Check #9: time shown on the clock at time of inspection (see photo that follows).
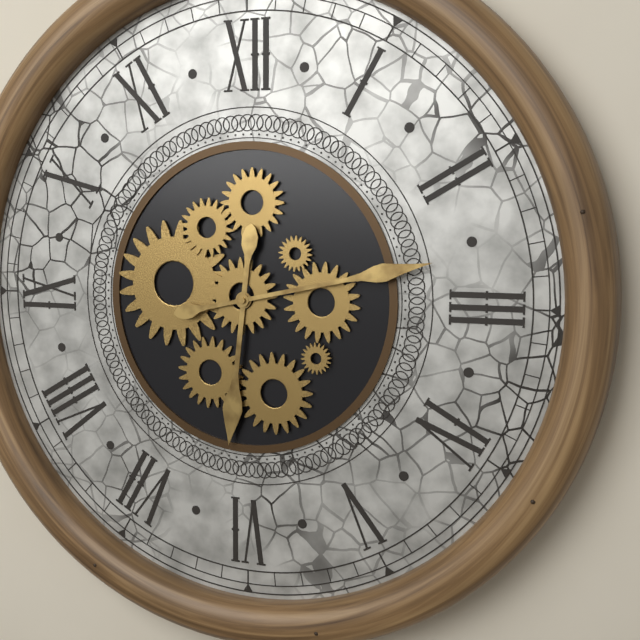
6:13
